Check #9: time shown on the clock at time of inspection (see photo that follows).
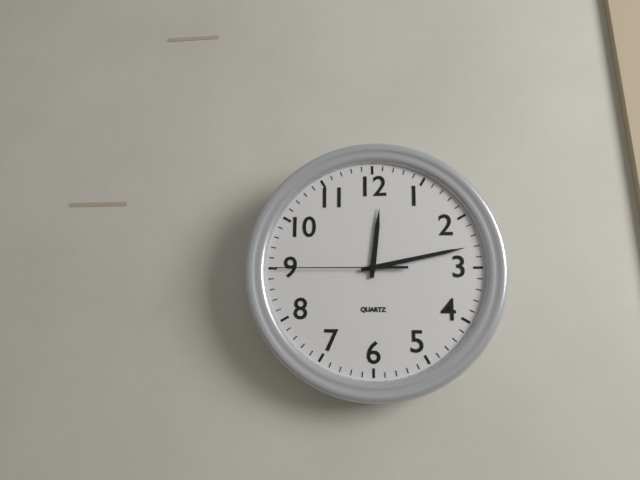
12:13:45
